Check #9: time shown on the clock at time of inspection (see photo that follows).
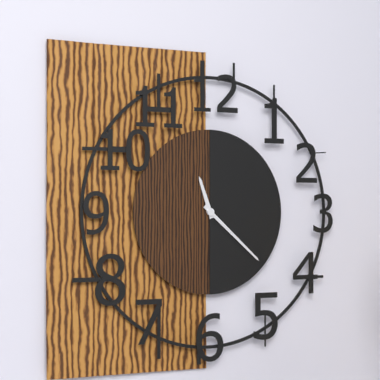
11:22
